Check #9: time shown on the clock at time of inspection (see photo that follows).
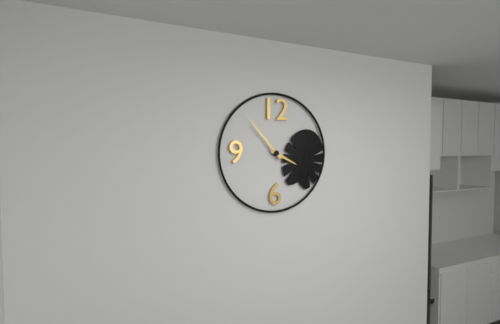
3:53
